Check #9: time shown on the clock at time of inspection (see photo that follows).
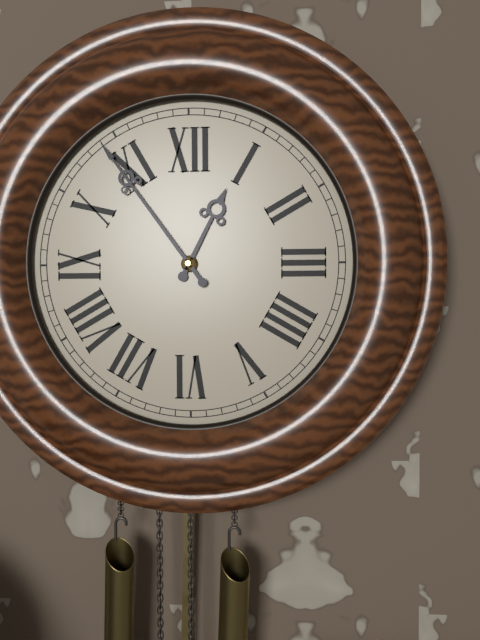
12:54
